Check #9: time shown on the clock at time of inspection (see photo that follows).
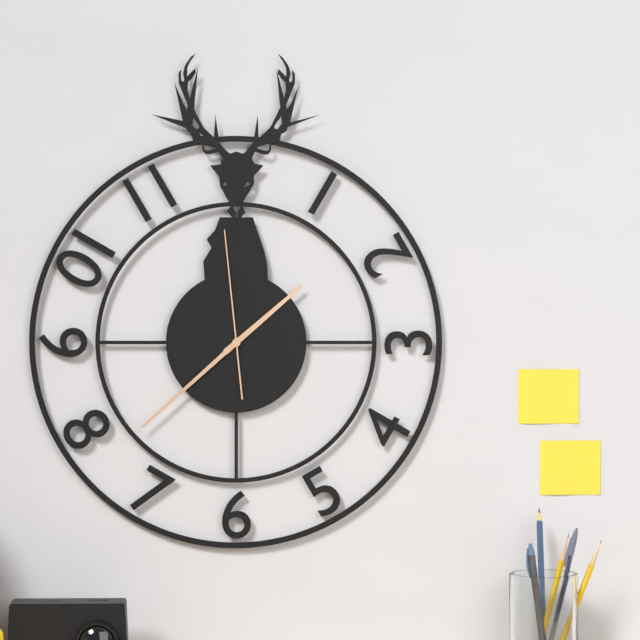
1:38:59
